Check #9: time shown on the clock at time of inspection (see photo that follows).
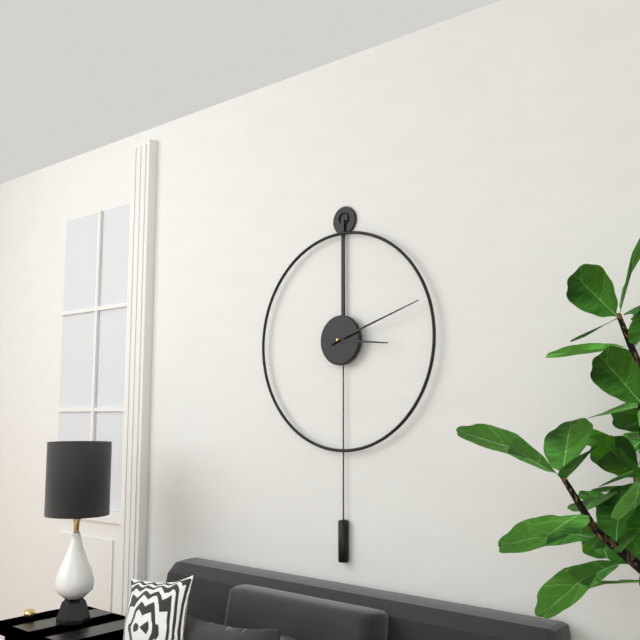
3:12
